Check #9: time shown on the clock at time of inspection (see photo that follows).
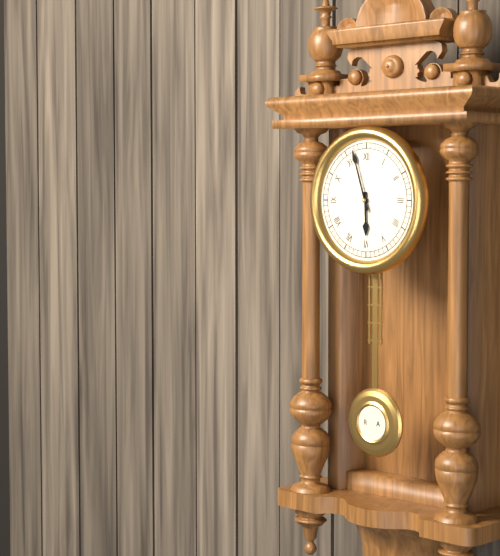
5:57
